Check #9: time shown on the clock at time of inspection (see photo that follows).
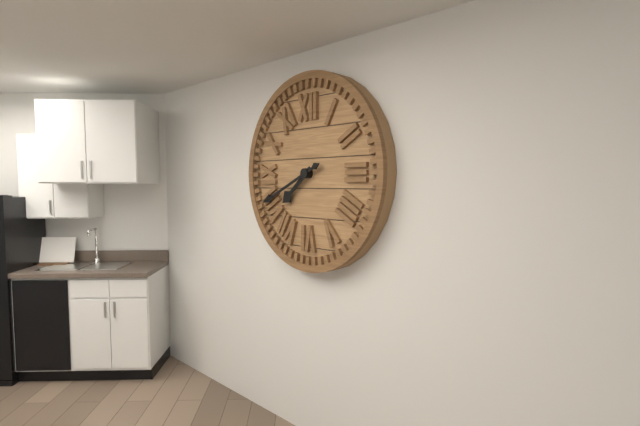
7:41
